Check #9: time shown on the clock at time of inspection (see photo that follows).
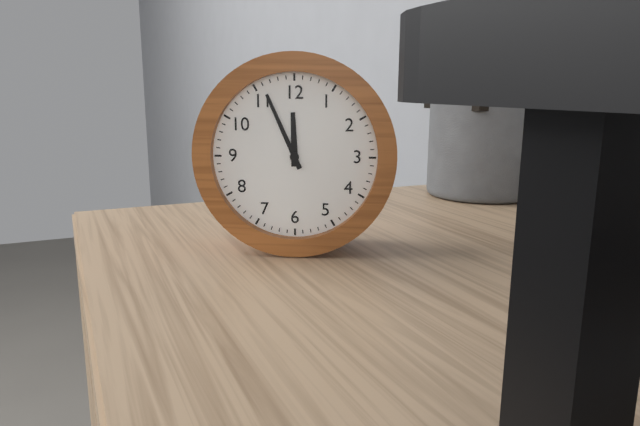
11:56
